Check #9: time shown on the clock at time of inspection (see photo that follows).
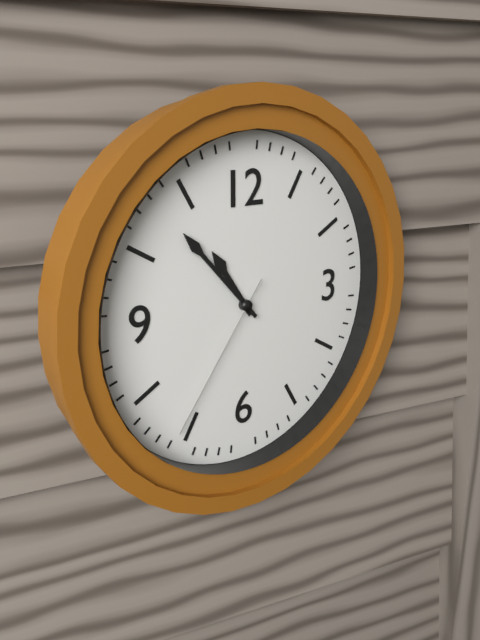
10:53:36
